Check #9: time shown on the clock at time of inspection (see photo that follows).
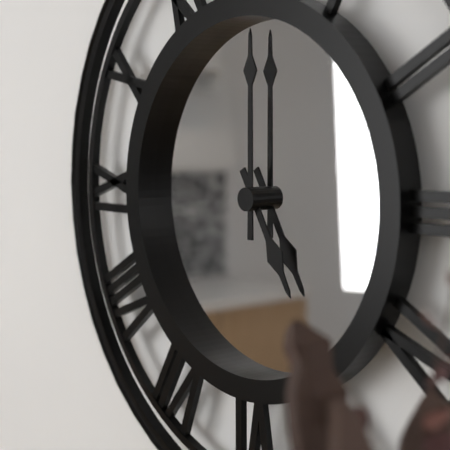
5:00
